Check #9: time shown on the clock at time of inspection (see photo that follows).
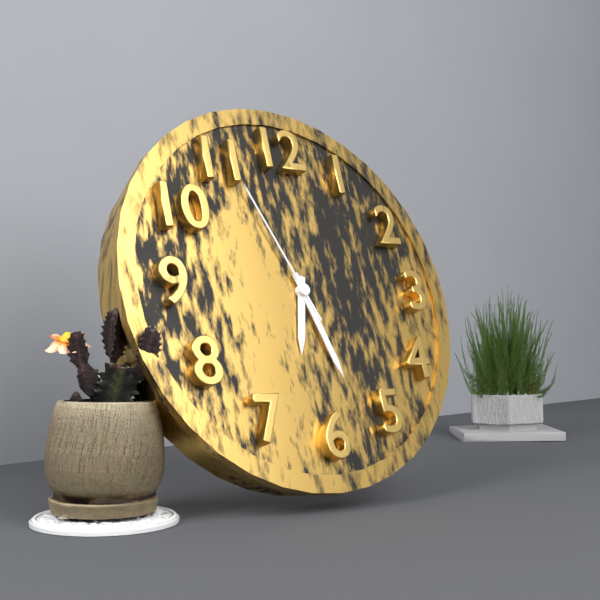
6:27:56
